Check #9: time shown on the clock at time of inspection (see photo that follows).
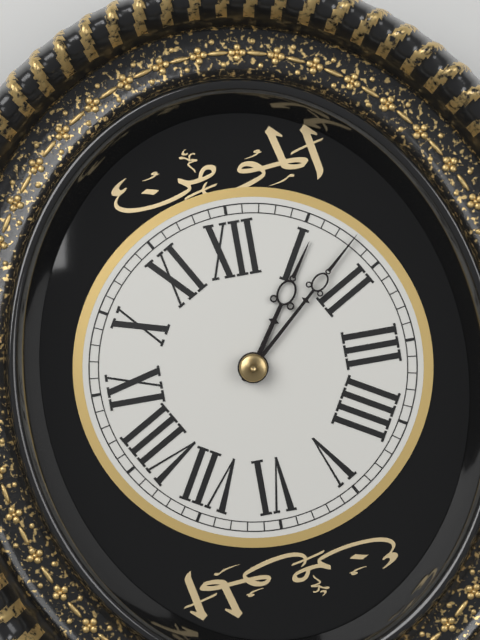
1:08
